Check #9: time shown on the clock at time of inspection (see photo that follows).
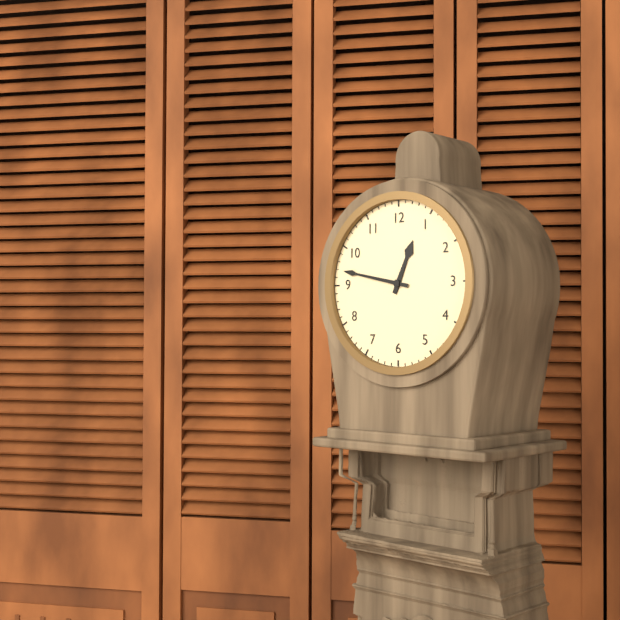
12:47
